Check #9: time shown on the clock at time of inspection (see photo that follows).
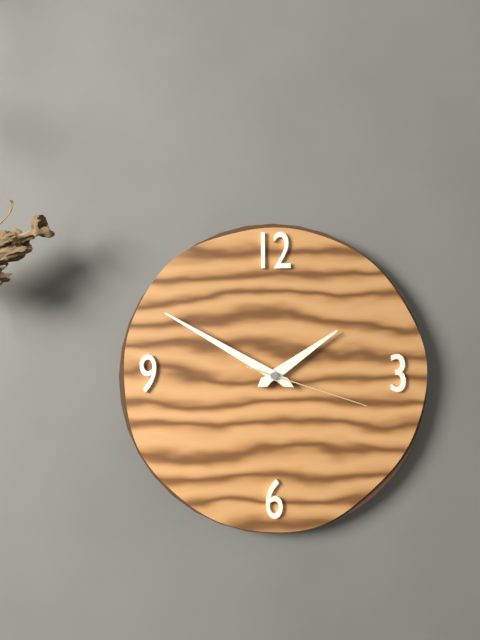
1:50:18
